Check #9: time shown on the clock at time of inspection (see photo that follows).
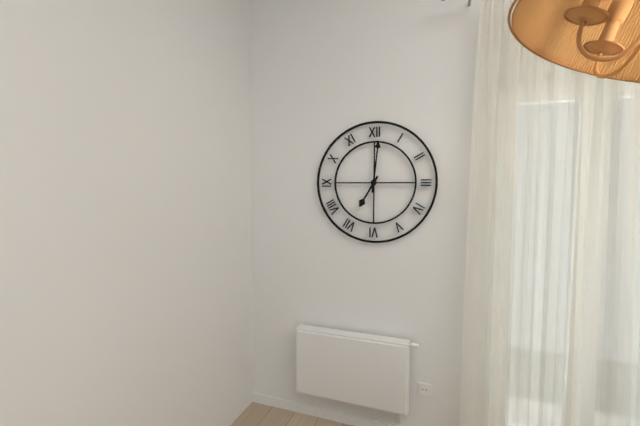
7:01
